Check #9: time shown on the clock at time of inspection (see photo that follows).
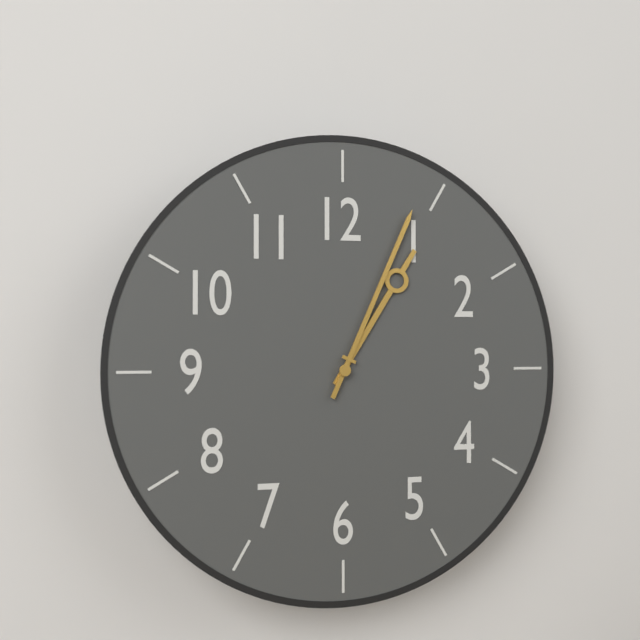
1:04
